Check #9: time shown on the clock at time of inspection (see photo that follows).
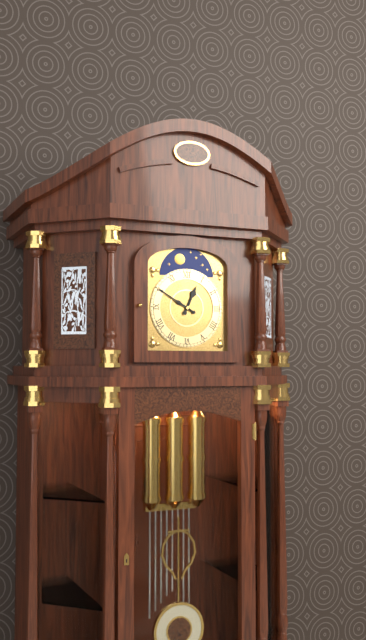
12:50
